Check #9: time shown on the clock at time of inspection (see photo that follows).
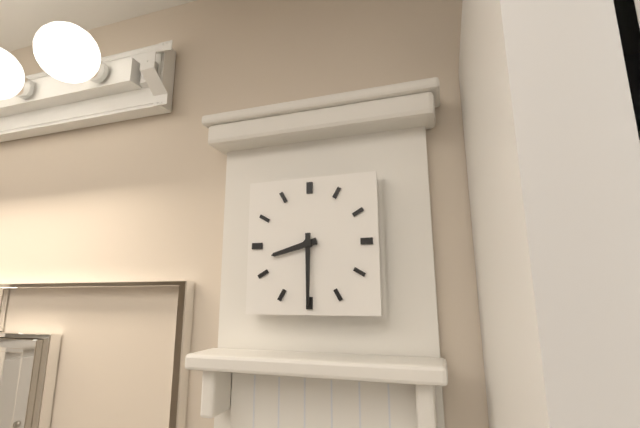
8:30
